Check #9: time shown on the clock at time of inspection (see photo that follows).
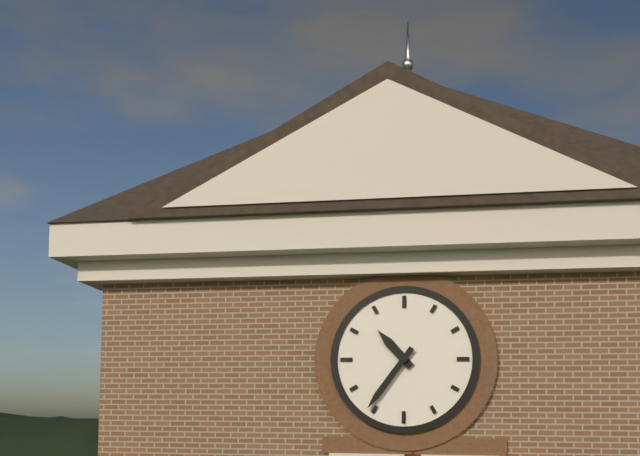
10:36
